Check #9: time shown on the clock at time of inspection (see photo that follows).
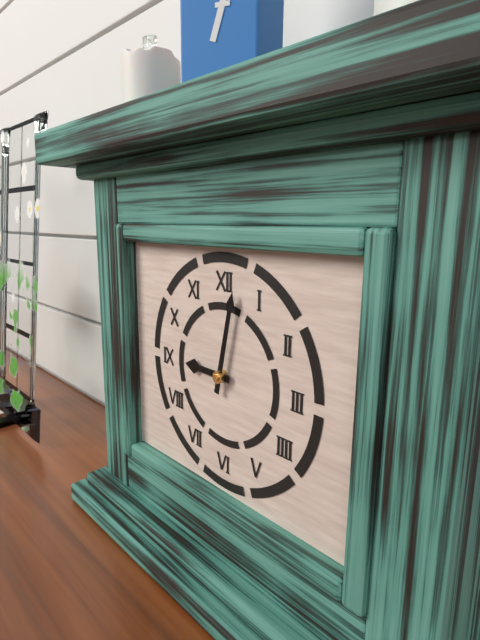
9:02
